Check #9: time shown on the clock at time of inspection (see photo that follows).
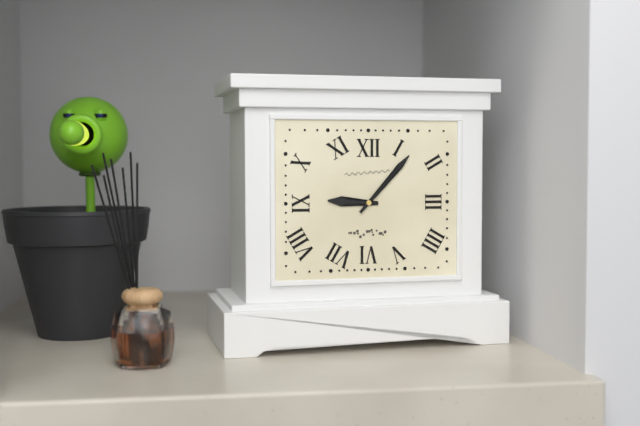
9:07
